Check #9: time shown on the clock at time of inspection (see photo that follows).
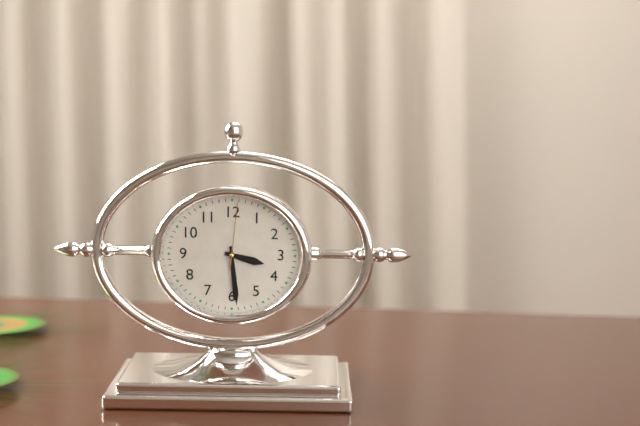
3:29:01
